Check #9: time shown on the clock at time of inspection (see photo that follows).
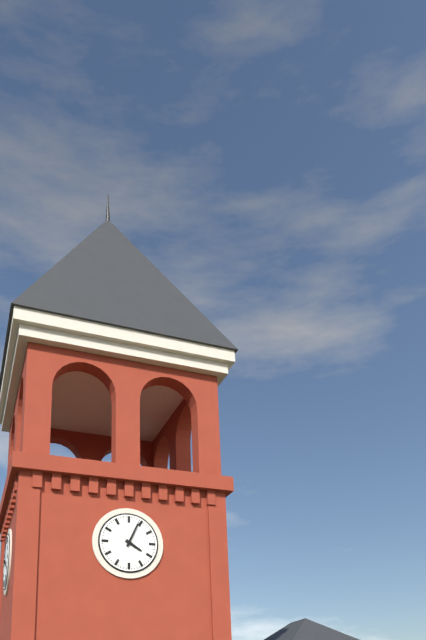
4:04
